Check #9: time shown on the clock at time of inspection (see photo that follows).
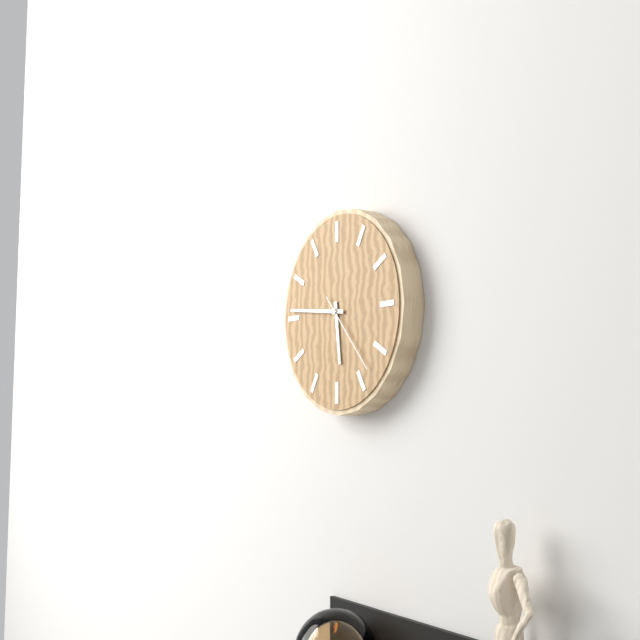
5:46:23
